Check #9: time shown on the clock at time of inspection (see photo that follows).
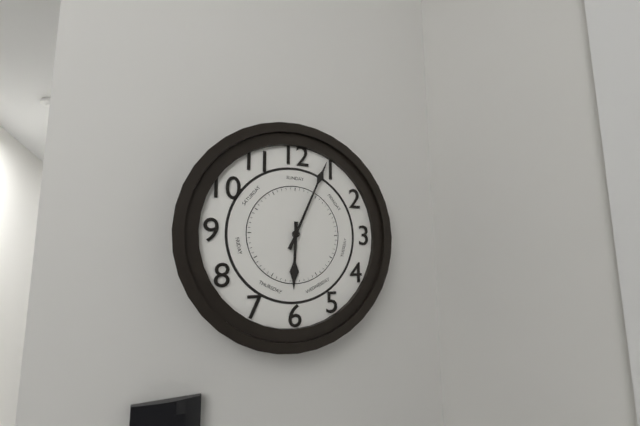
6:04
